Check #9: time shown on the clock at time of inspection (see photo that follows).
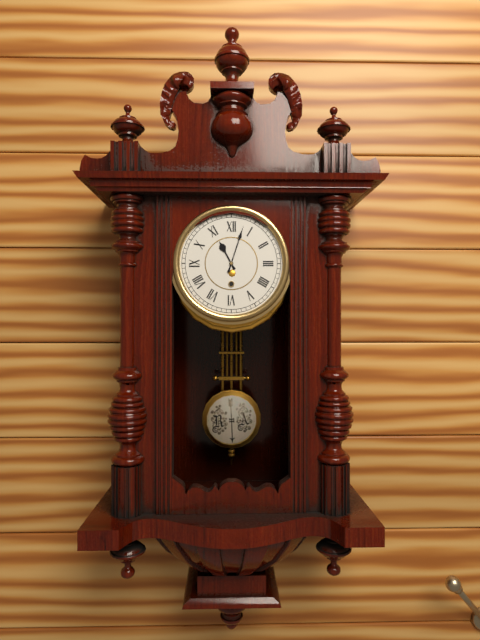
11:03
